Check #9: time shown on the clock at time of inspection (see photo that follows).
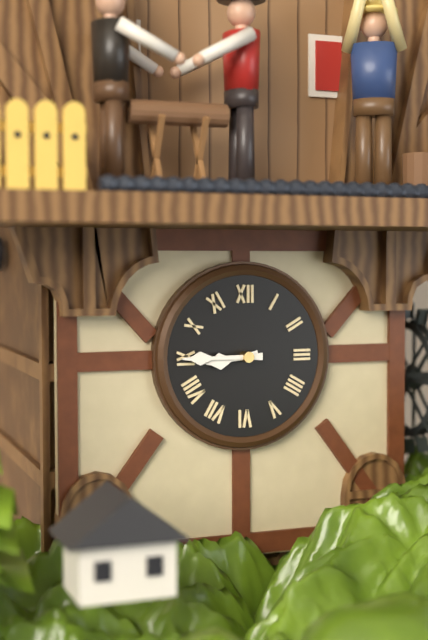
8:45
